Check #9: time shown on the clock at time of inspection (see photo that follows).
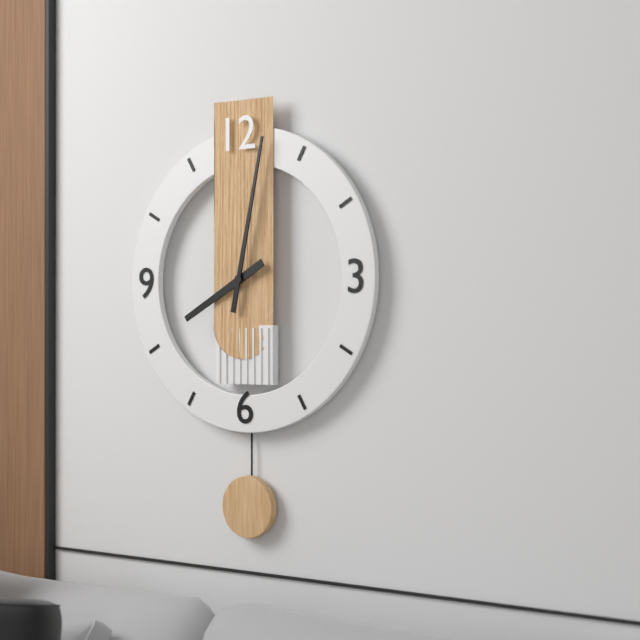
8:02
